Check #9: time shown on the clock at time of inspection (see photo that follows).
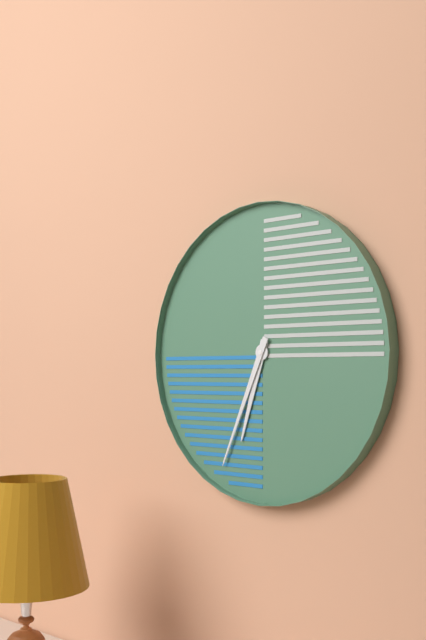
6:34
